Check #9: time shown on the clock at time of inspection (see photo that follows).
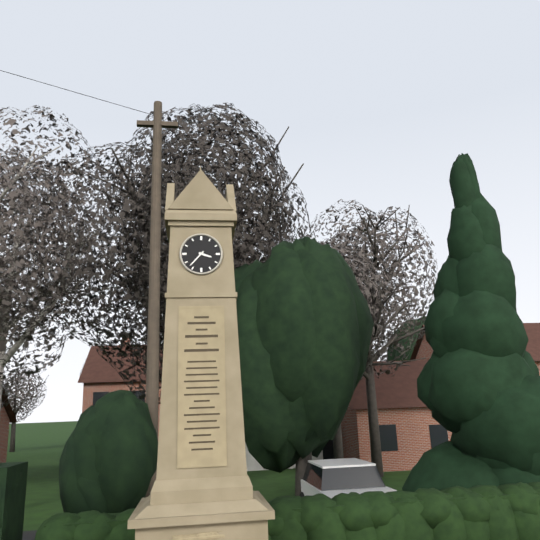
3:37
